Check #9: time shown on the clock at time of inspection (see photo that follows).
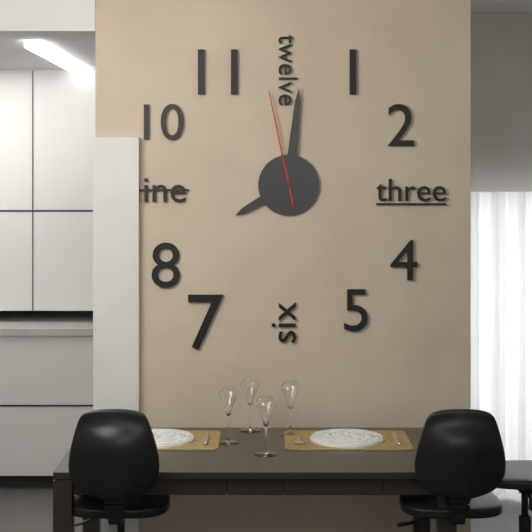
8:01:58
